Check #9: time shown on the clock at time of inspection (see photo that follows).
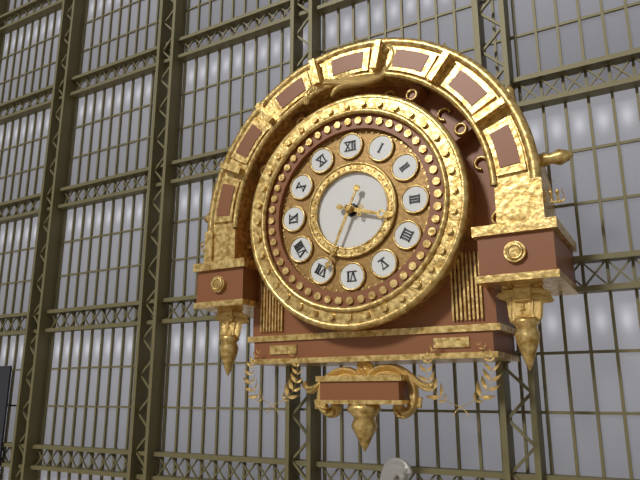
3:34
